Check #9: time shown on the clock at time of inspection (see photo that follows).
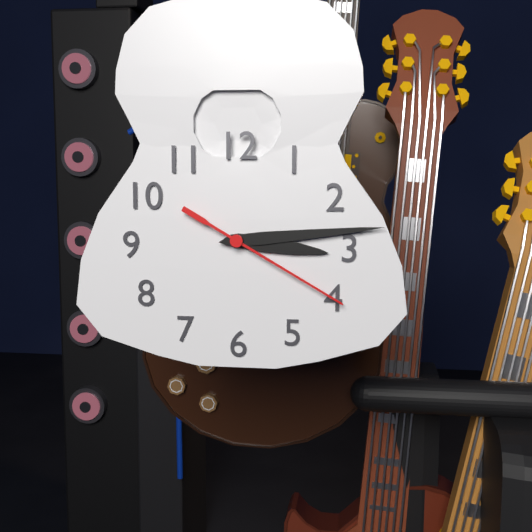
3:14:20
